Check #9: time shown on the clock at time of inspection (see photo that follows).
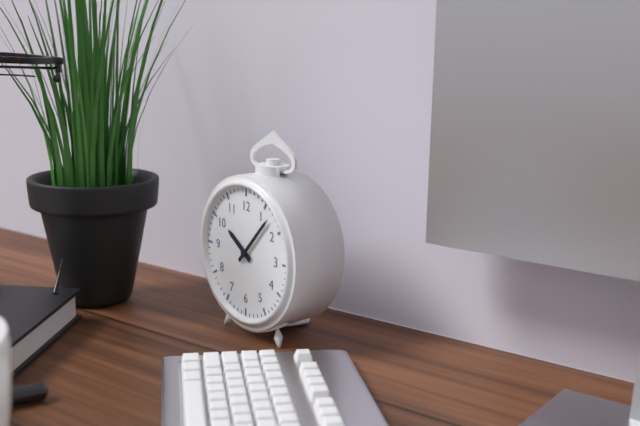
10:07
